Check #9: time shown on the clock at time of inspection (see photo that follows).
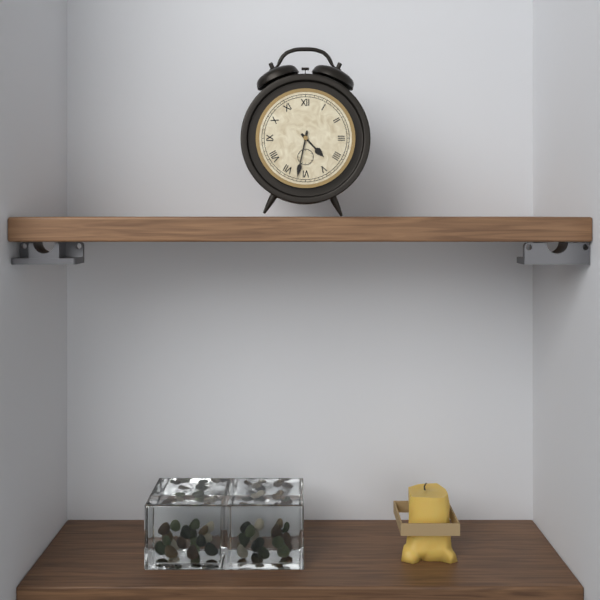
4:32
